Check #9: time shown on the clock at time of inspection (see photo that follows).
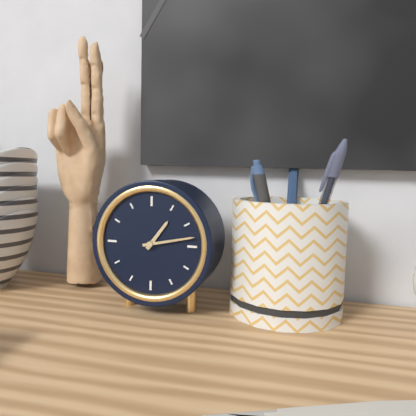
1:13
